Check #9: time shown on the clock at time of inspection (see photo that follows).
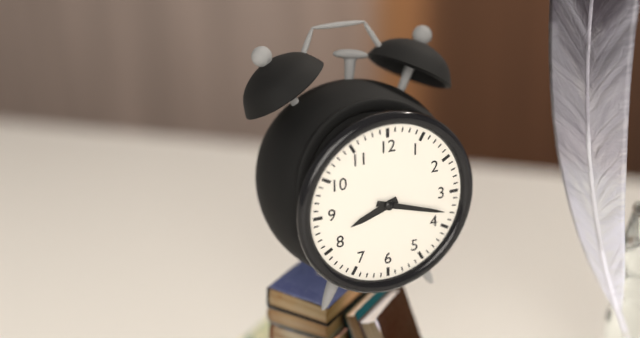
8:18
